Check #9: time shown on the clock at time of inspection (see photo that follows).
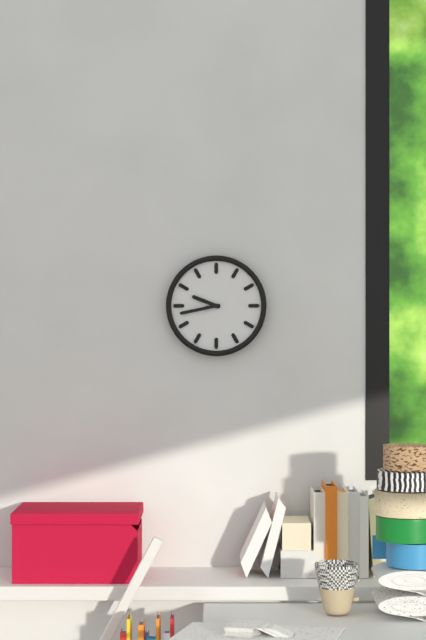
9:43
